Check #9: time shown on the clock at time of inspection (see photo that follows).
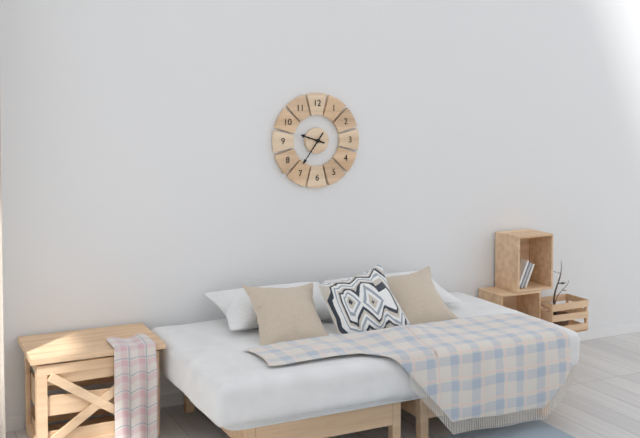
9:36
